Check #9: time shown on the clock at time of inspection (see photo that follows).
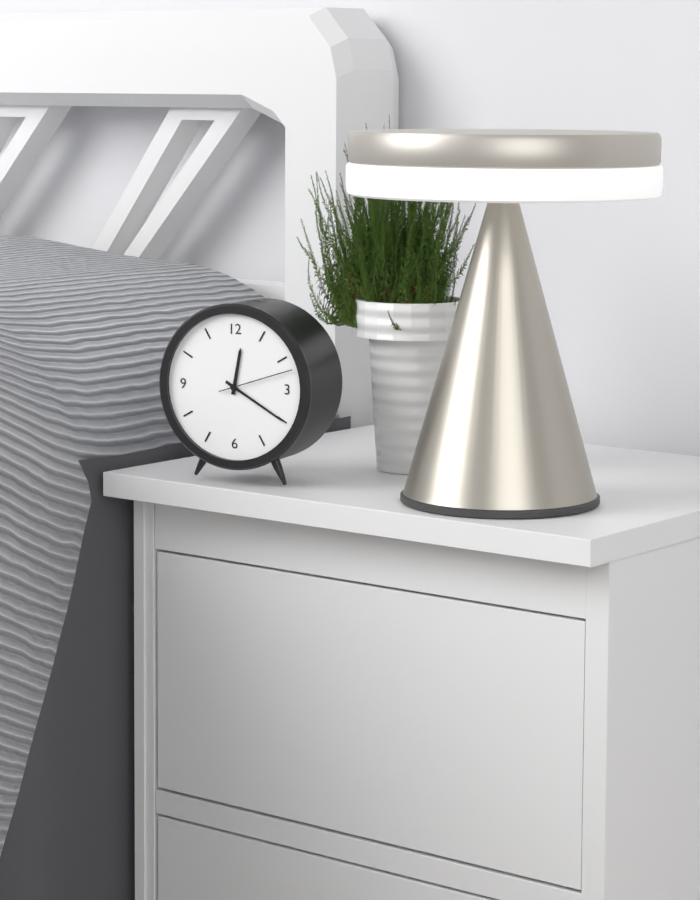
12:20:12
